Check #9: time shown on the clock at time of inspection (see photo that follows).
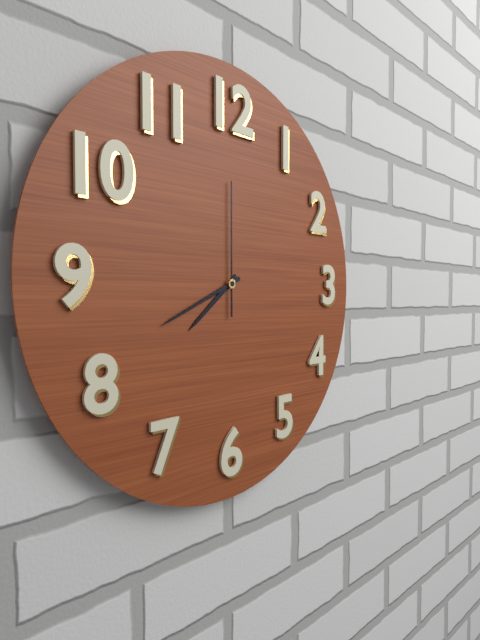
7:41:00
